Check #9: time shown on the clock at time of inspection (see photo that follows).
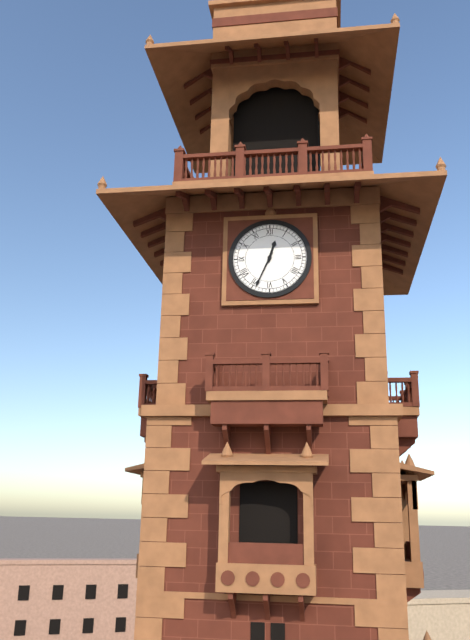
12:34
